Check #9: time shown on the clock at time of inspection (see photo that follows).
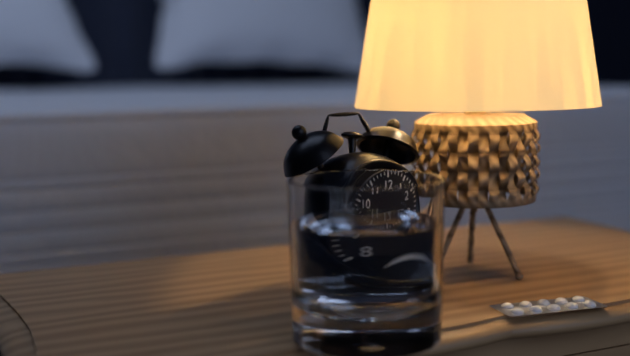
2:36
